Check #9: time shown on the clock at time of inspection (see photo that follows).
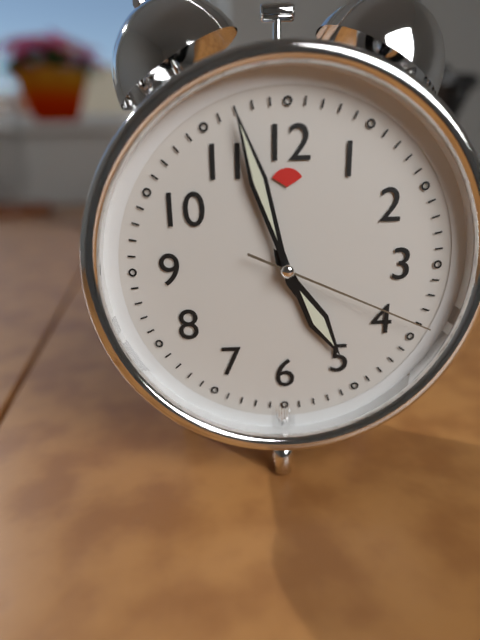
4:57:19
